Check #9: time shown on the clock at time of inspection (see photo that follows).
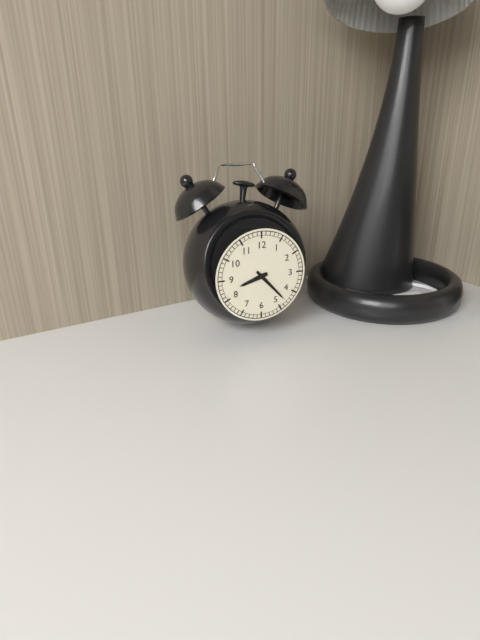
8:23
